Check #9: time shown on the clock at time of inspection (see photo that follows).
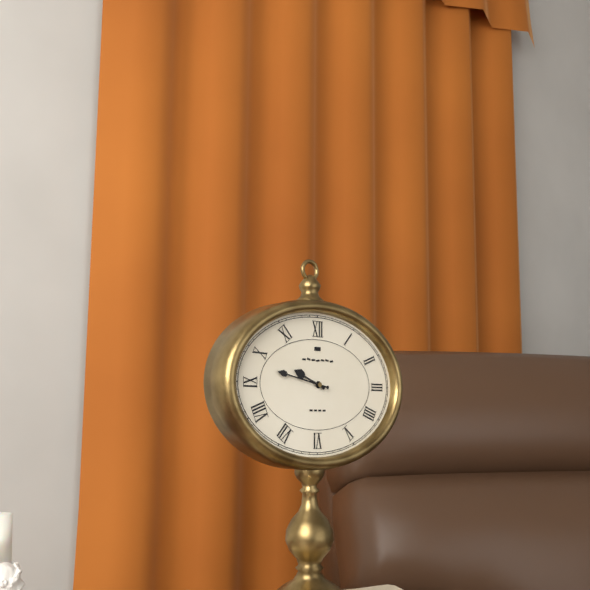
9:47
